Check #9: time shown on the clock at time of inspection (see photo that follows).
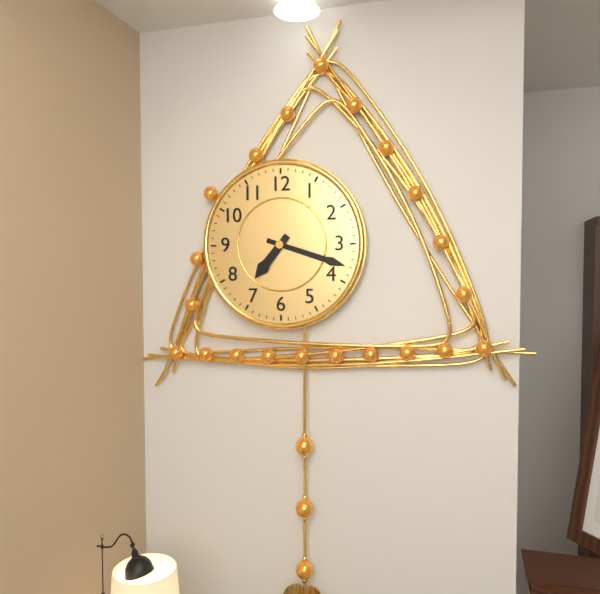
7:18
